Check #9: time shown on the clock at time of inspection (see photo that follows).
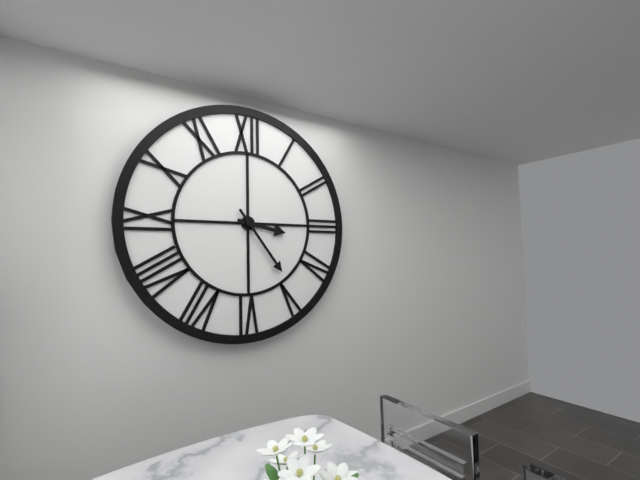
3:24
